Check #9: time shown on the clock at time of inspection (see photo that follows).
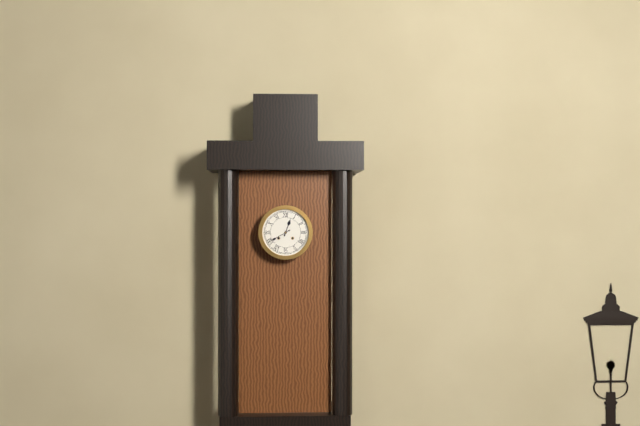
12:40
